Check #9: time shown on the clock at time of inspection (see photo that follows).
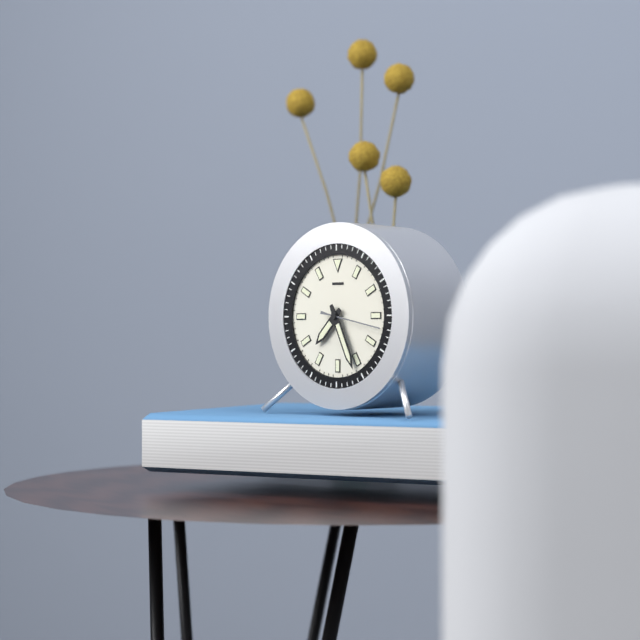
7:26:17
